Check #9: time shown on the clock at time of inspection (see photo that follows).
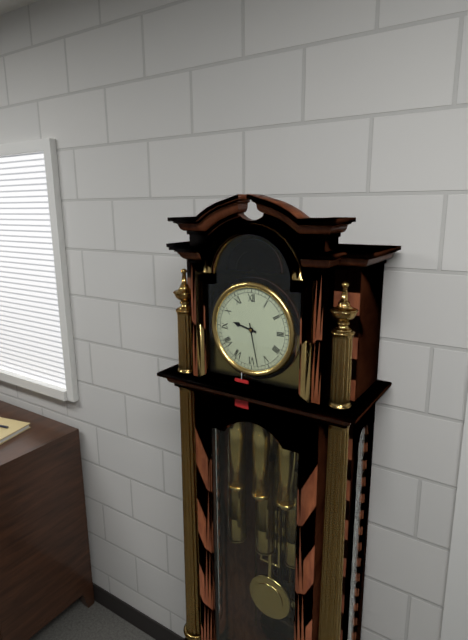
9:28
